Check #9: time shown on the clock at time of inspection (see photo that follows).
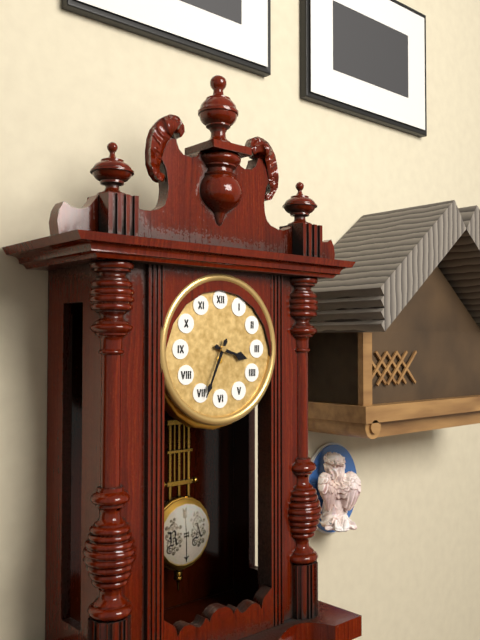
3:34
